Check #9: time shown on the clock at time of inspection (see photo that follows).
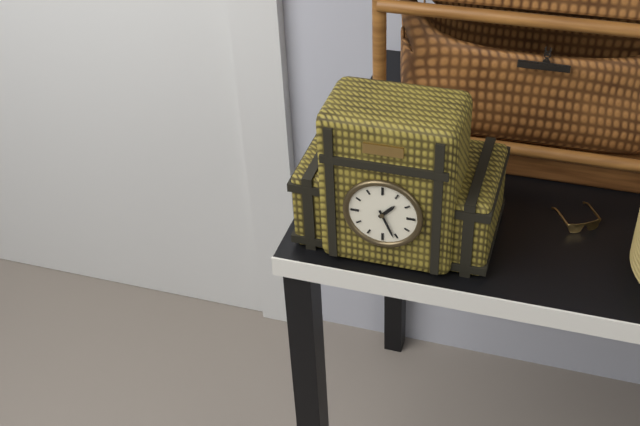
1:26
